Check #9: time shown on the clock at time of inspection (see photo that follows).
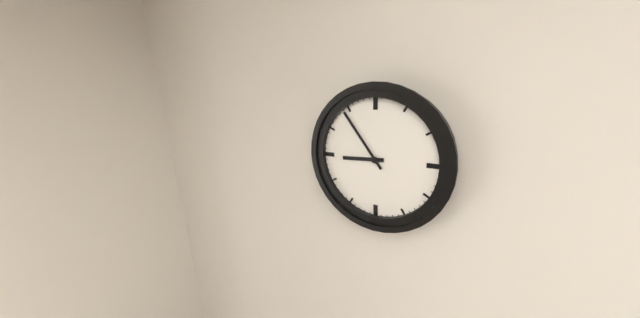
8:54
